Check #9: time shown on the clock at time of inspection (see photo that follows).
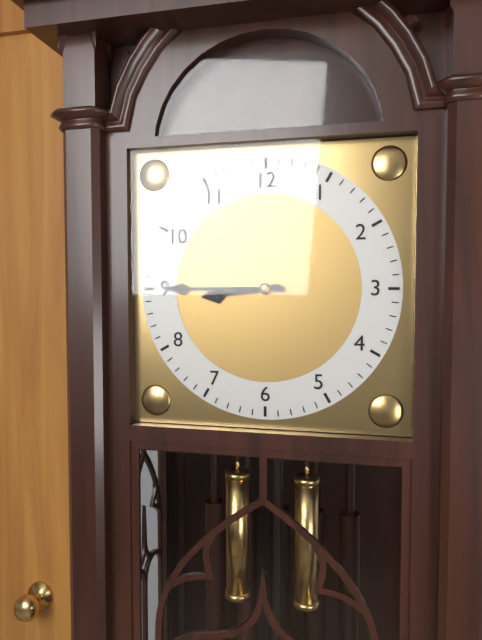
8:45
